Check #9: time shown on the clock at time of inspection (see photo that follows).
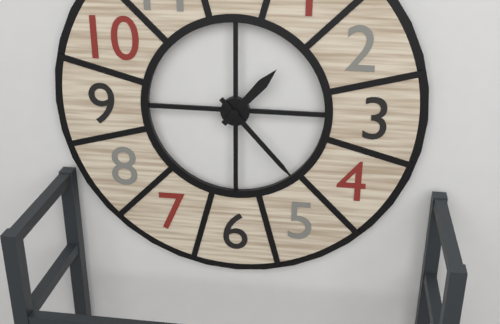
1:23
